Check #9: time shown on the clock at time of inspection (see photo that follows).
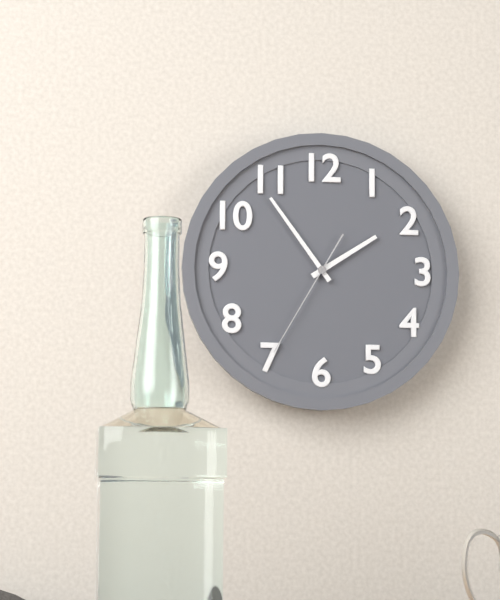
1:54:35
